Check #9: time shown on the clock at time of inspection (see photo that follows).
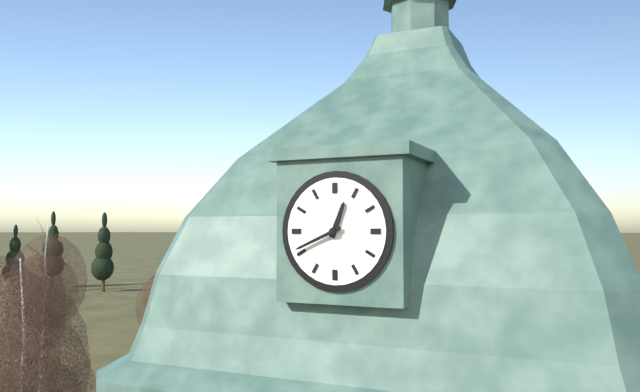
12:41
